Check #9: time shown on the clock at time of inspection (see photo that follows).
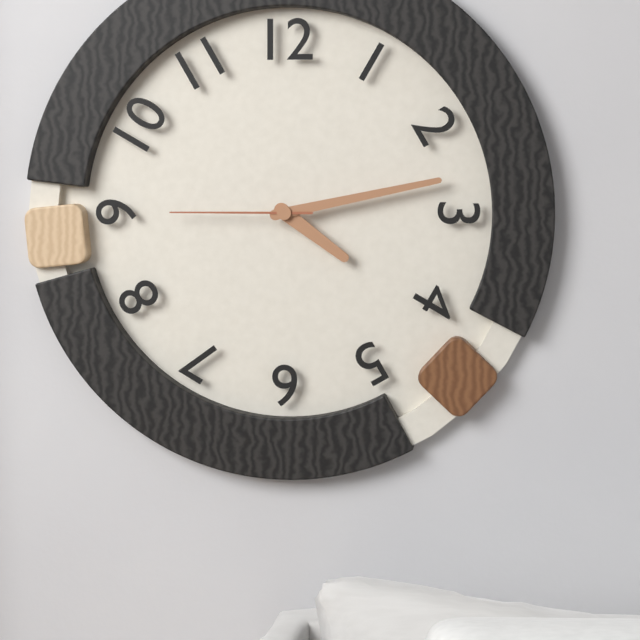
4:13:45
